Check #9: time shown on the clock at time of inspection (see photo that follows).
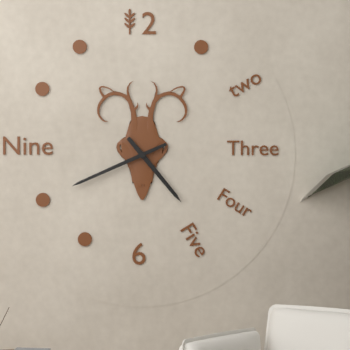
4:41
